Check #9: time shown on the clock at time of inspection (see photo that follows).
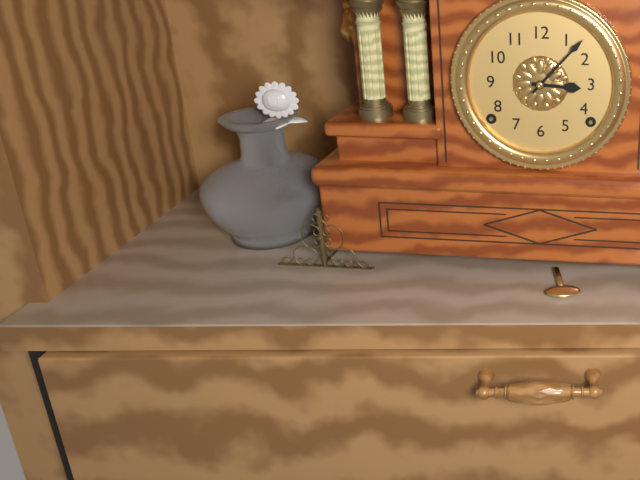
3:07
